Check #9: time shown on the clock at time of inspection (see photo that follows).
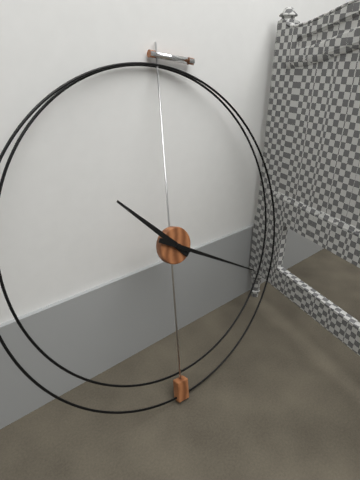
10:19
